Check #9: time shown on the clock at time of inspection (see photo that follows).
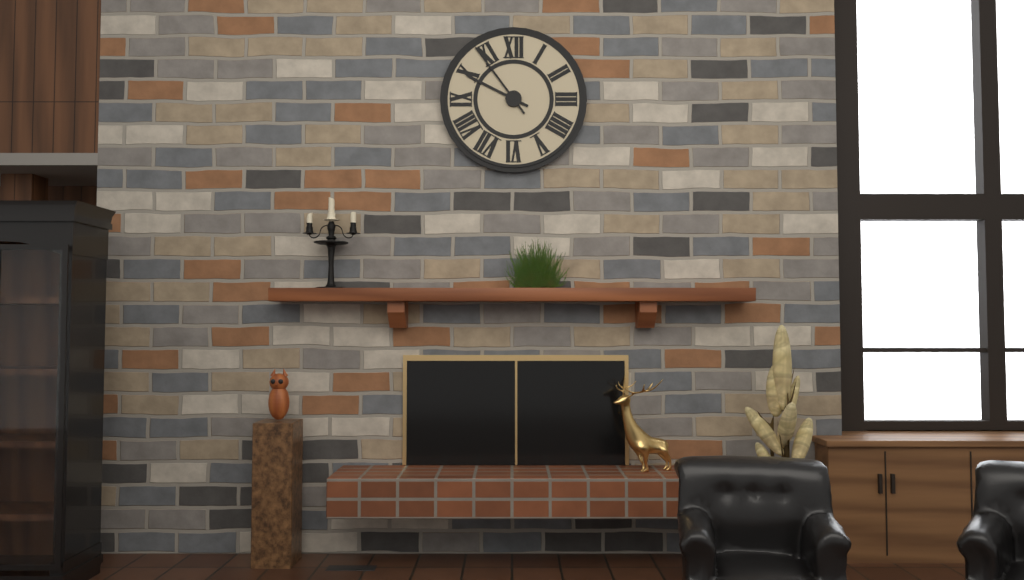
9:54
